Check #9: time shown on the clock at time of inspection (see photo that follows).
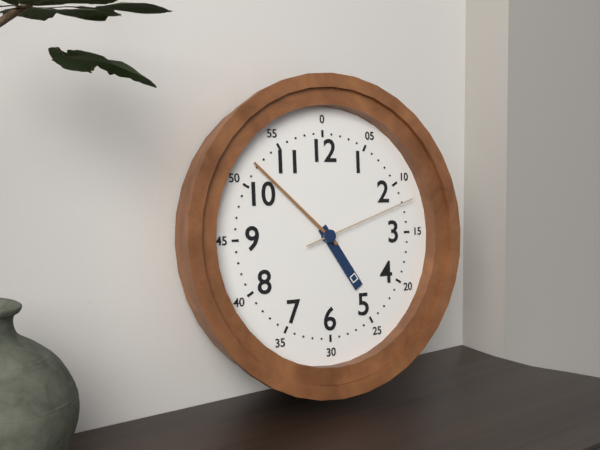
4:52:12
